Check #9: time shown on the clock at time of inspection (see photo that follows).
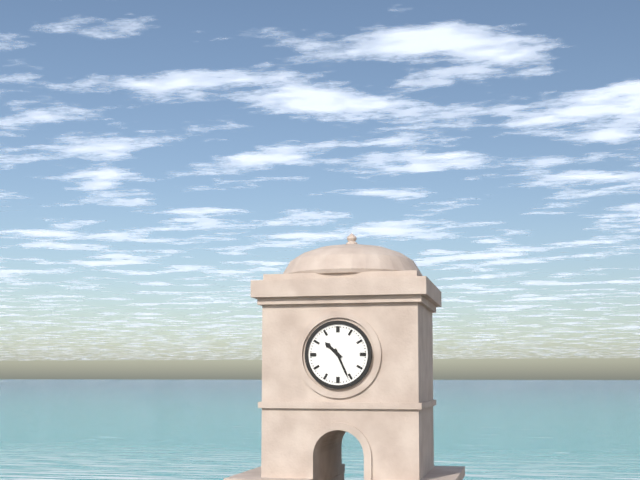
10:26
